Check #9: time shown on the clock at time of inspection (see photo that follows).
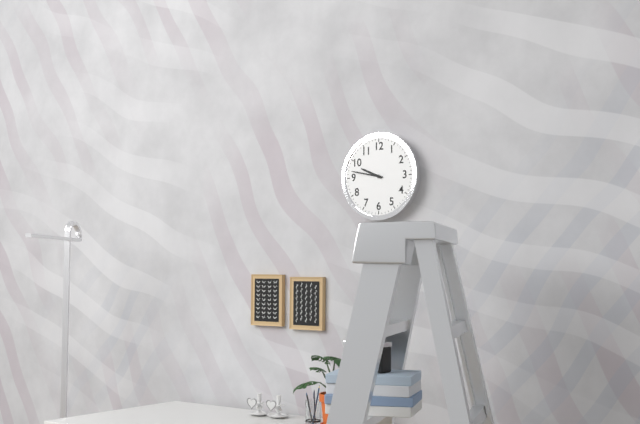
9:47
